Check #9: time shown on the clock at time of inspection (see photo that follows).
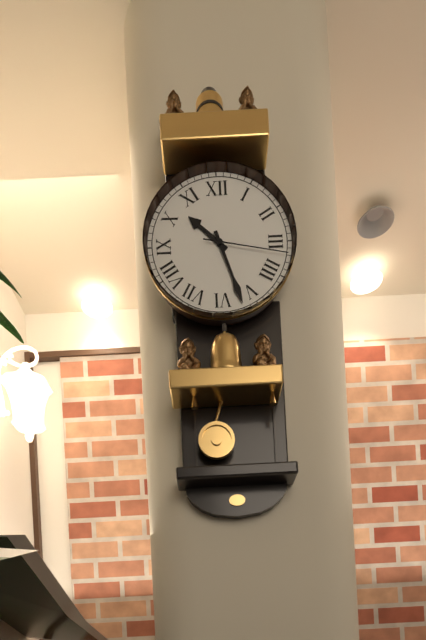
10:27:17
